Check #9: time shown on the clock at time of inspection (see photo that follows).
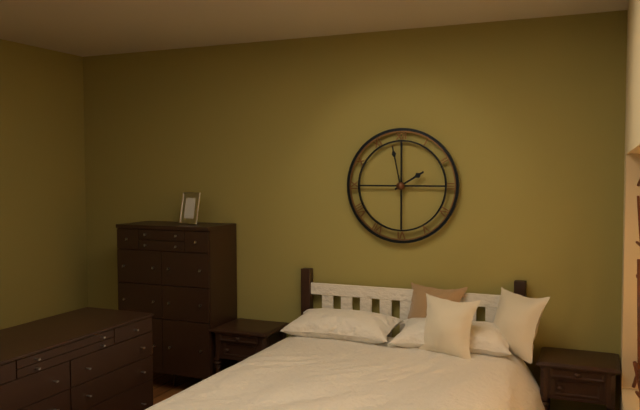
1:58
